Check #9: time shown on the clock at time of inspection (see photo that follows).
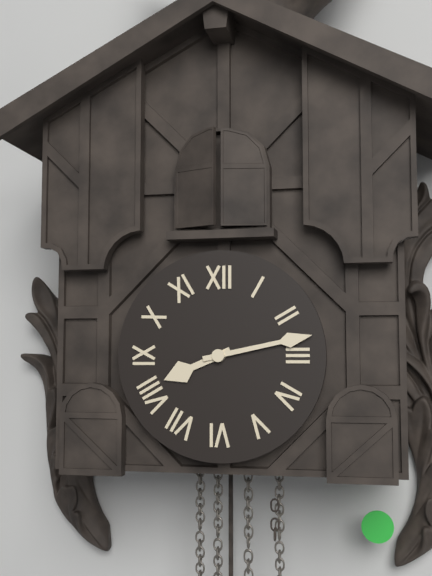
8:13
